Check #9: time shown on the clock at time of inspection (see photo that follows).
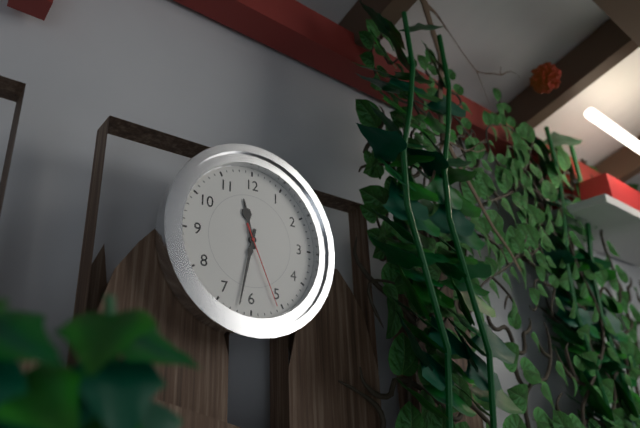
11:32:26
